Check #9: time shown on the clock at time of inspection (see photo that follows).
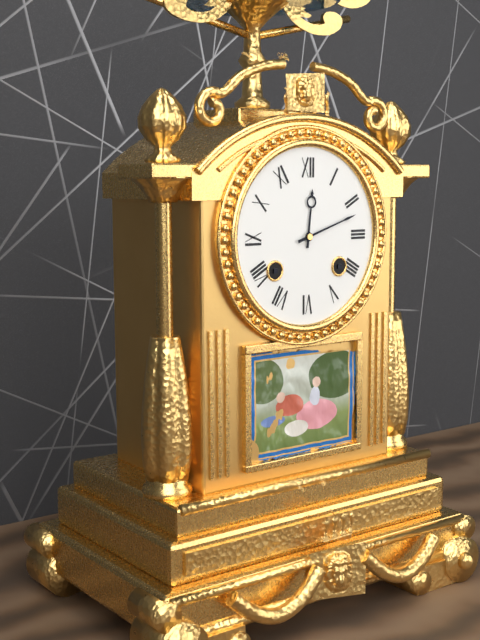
12:12
